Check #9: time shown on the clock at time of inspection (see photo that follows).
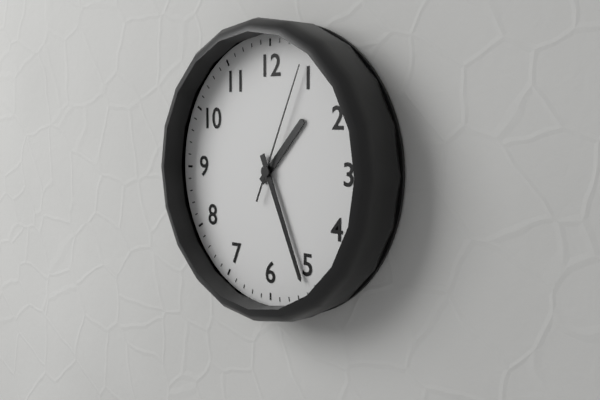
1:26:04
